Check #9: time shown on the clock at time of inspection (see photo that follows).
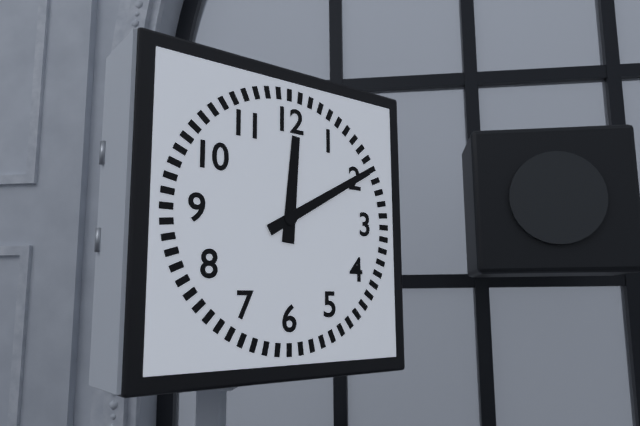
12:10
